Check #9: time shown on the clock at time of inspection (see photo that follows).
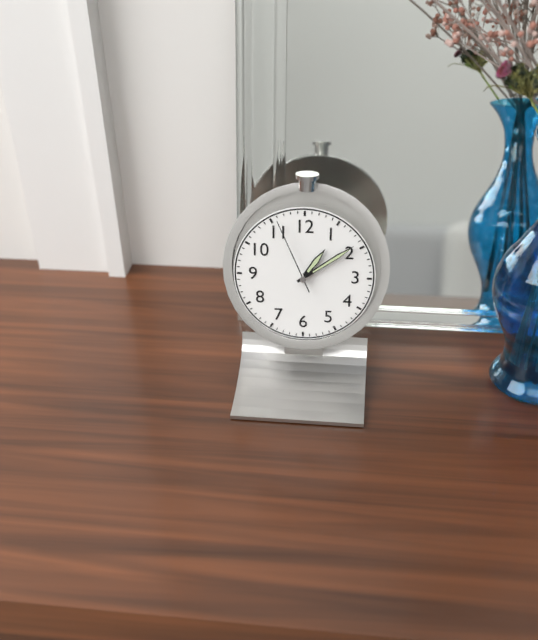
1:09:56
